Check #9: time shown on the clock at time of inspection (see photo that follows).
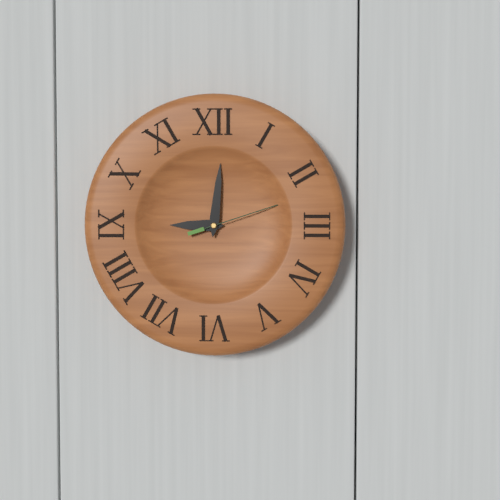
9:01:12
